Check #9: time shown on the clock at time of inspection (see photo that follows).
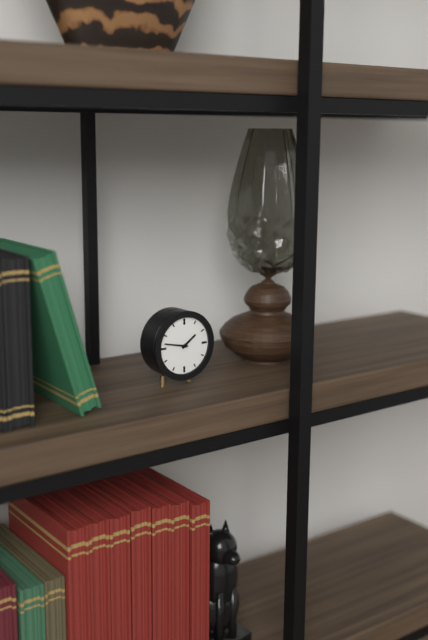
1:47
